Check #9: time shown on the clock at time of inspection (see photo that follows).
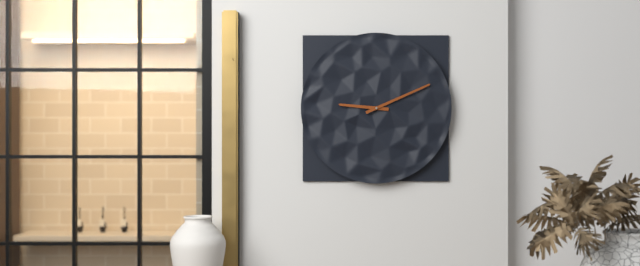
9:11
